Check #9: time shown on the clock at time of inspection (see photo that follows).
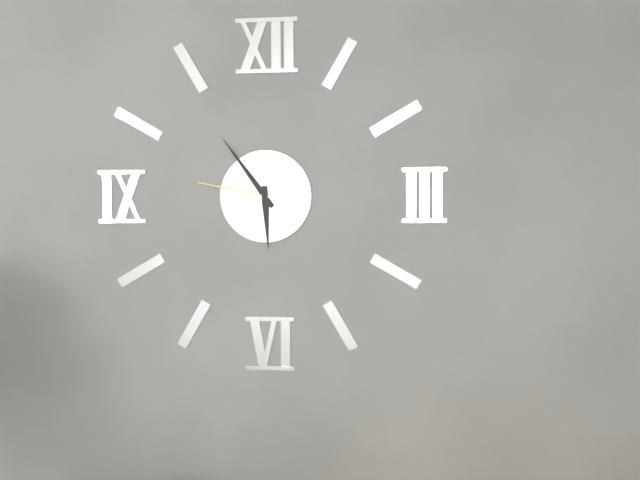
5:54:47
